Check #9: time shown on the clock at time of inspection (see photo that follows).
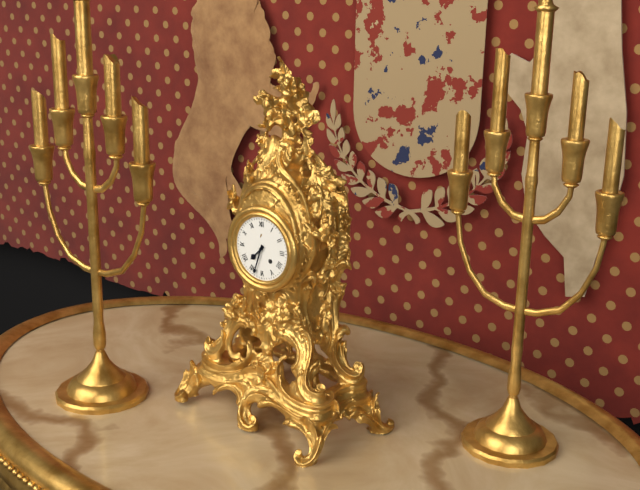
7:33
